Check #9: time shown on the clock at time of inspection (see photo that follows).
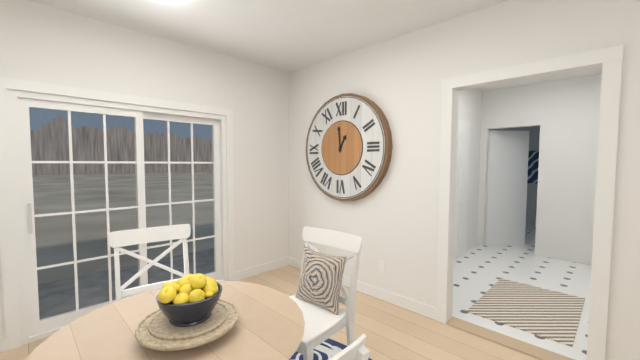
12:59
